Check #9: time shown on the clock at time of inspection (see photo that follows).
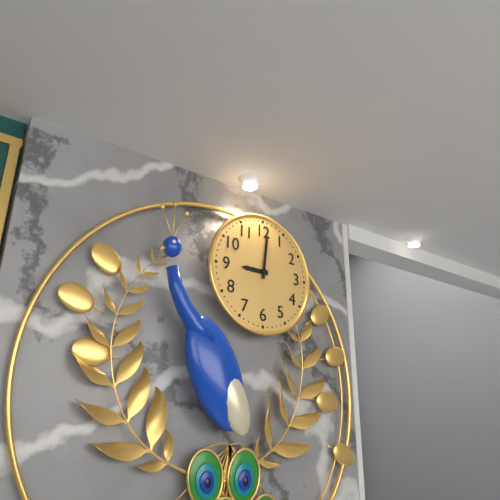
9:01
